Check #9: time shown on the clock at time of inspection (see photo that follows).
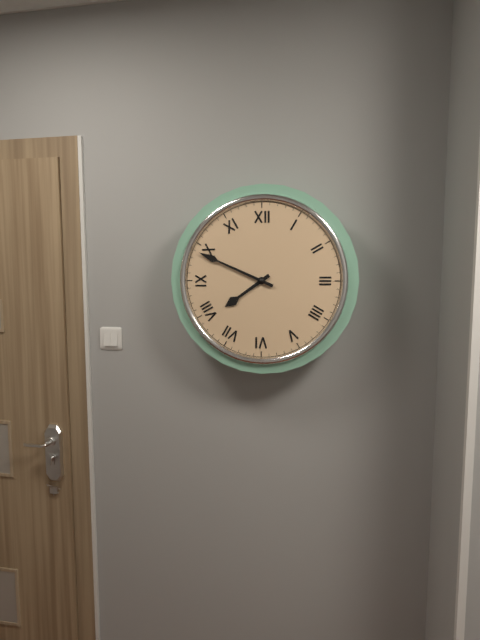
7:49
